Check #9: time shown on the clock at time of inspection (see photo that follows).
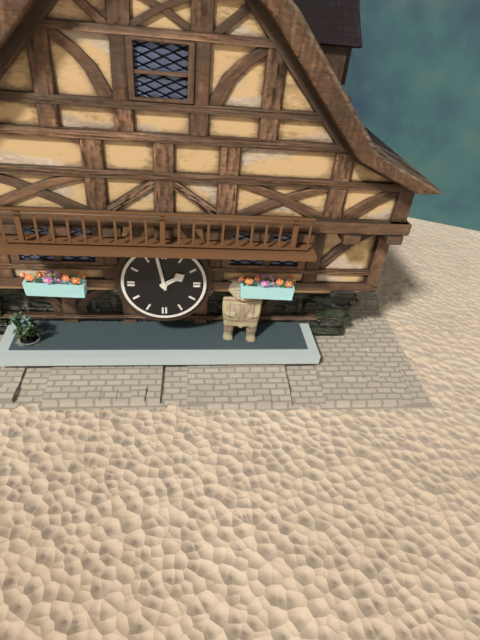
1:58
